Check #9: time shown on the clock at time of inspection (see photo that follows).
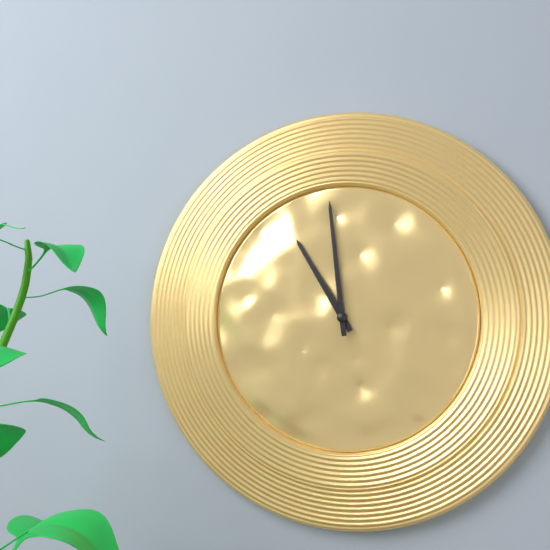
10:59
